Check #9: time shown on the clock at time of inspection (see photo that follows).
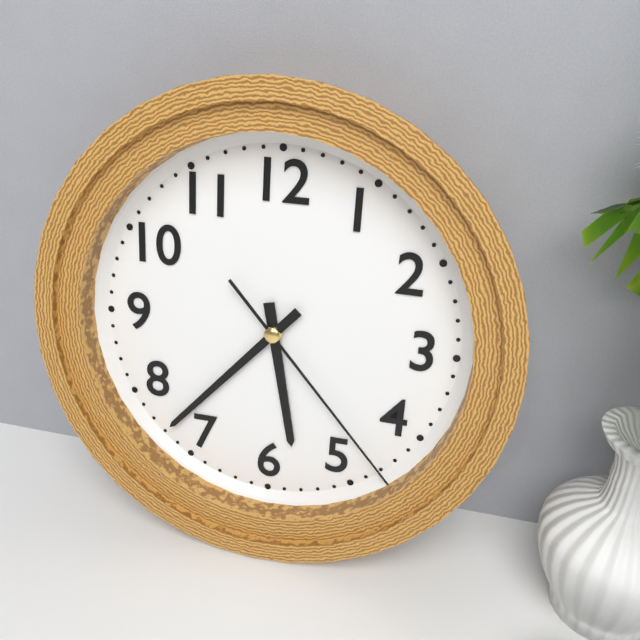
5:37:23
